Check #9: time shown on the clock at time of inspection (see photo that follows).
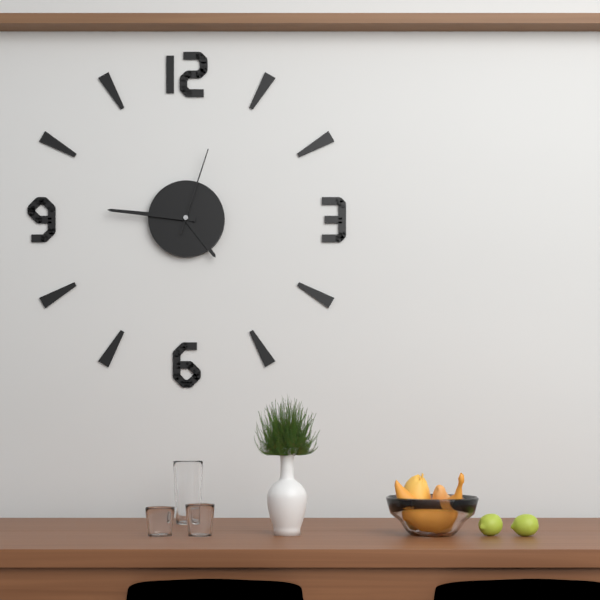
4:46:03
